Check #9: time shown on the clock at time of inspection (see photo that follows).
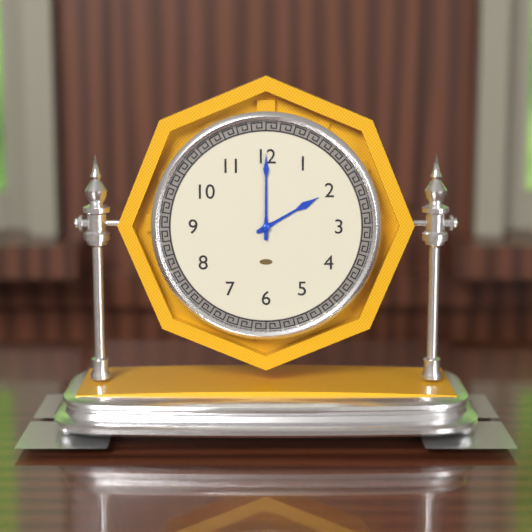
2:00
